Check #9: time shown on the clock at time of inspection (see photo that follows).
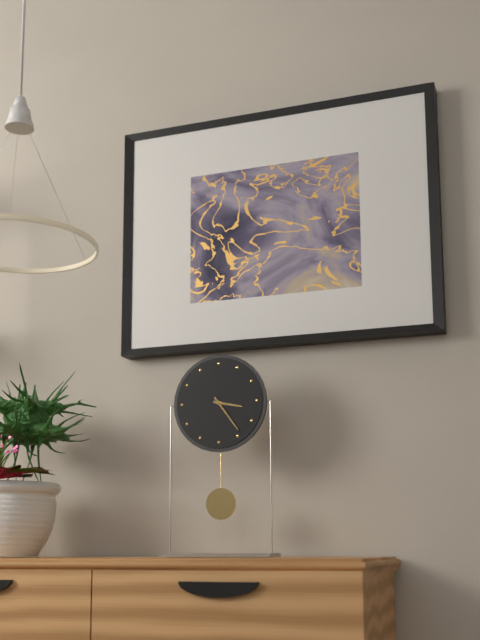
3:24
